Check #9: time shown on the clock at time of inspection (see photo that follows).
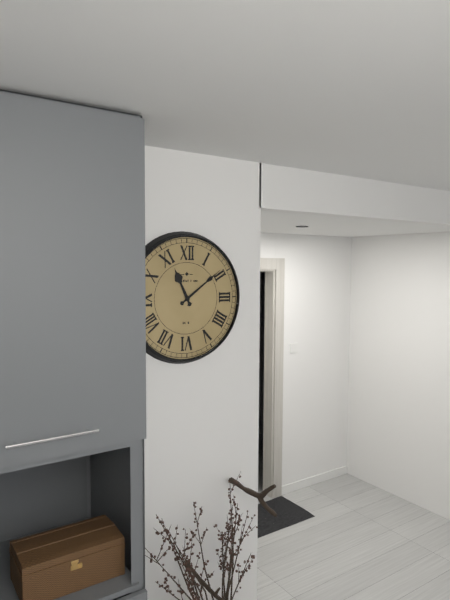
11:09
